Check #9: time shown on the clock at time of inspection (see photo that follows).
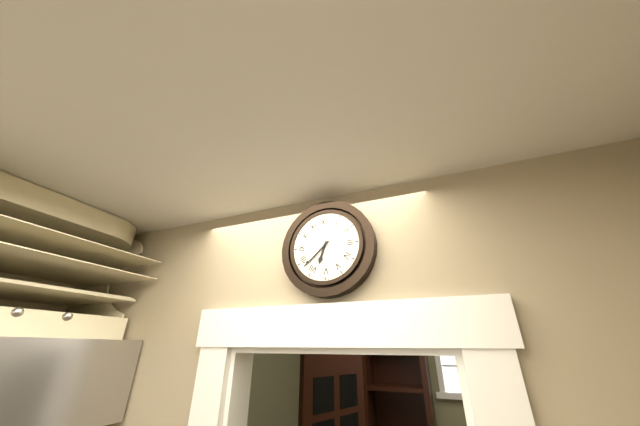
6:38
